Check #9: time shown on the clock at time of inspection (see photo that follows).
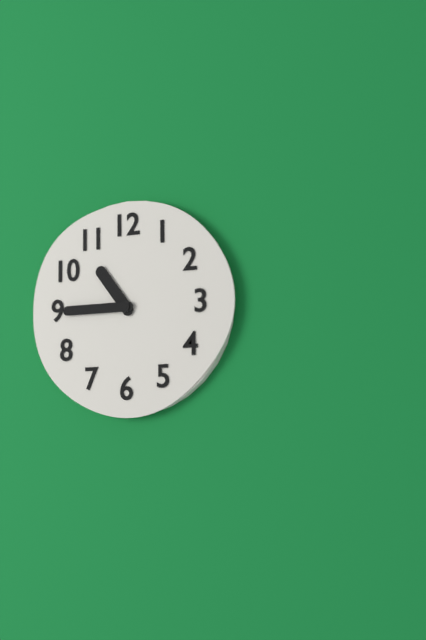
10:45
